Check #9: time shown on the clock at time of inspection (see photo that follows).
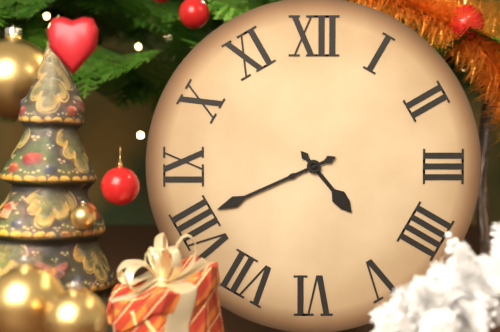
4:41
